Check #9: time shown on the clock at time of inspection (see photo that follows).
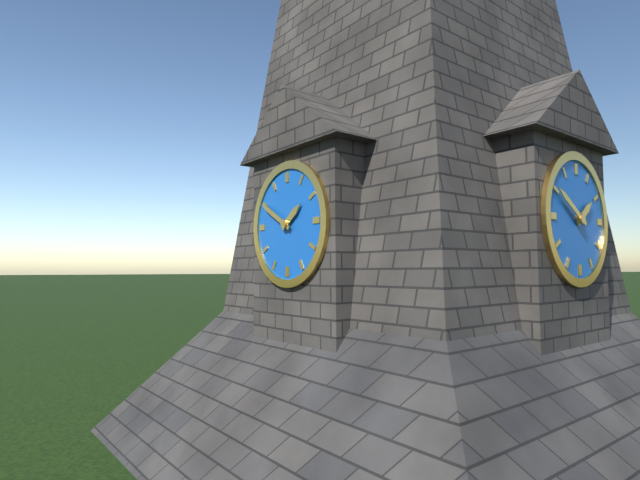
1:50
